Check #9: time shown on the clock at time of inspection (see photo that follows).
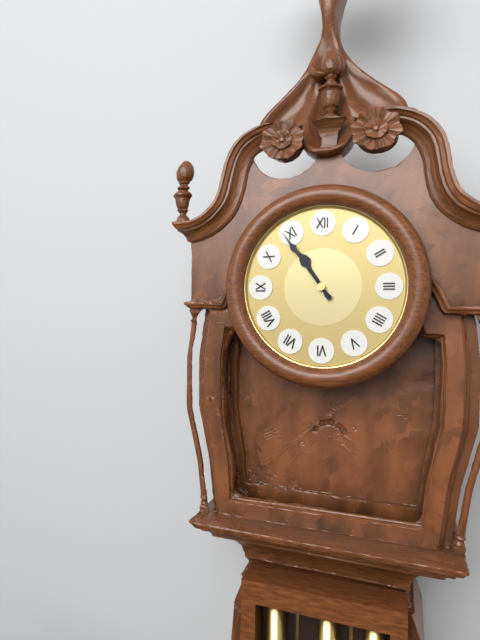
10:54
